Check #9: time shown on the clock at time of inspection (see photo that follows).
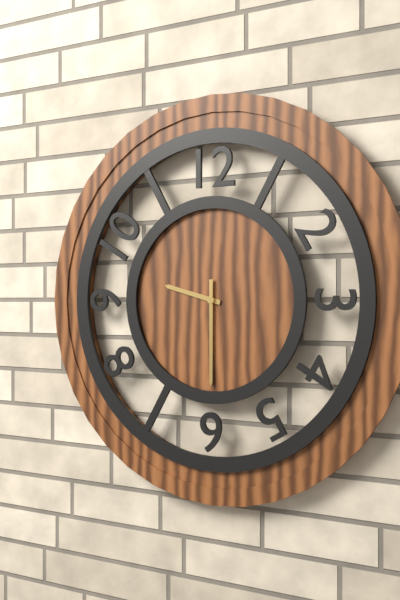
9:30
